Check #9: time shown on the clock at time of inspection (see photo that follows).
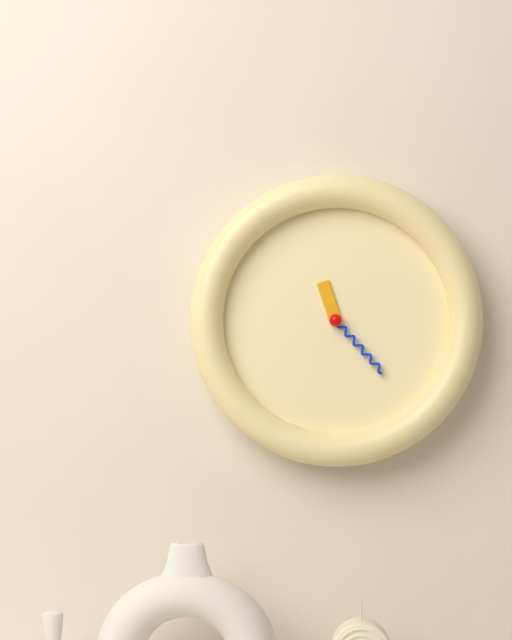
11:23
